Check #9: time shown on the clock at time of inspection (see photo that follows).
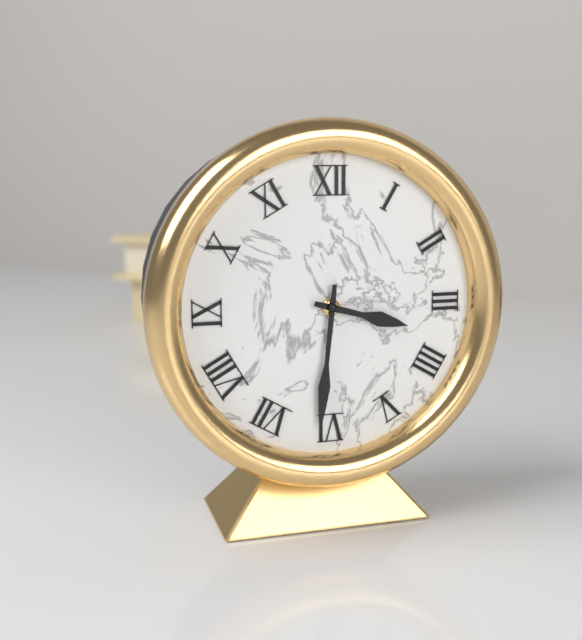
3:31
